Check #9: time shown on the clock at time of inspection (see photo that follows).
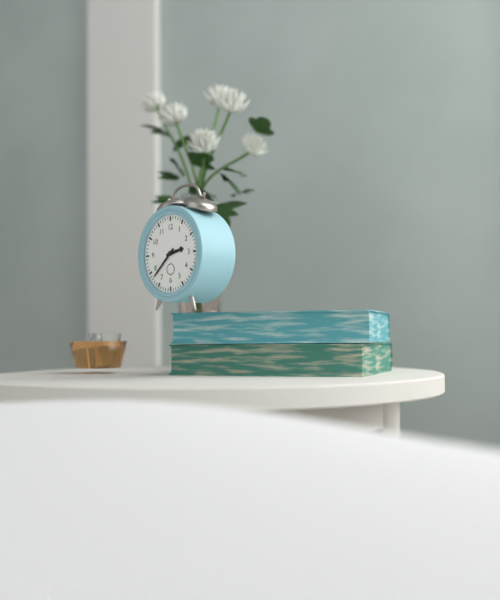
2:38
